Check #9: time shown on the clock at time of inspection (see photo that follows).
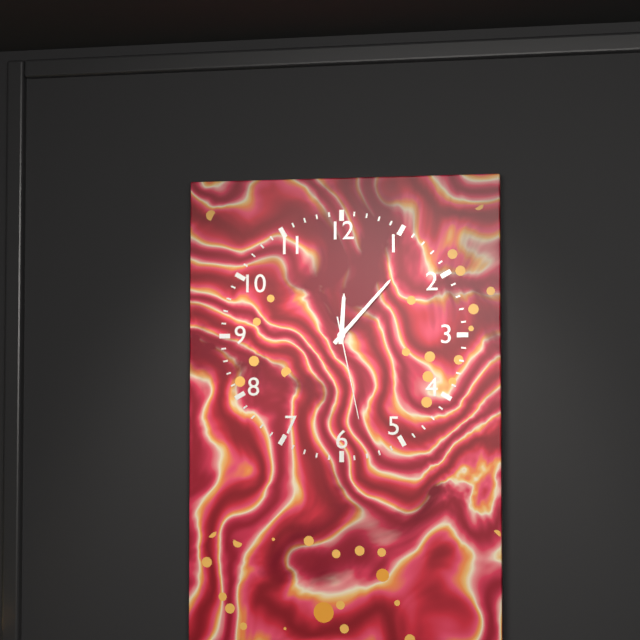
12:07:28
